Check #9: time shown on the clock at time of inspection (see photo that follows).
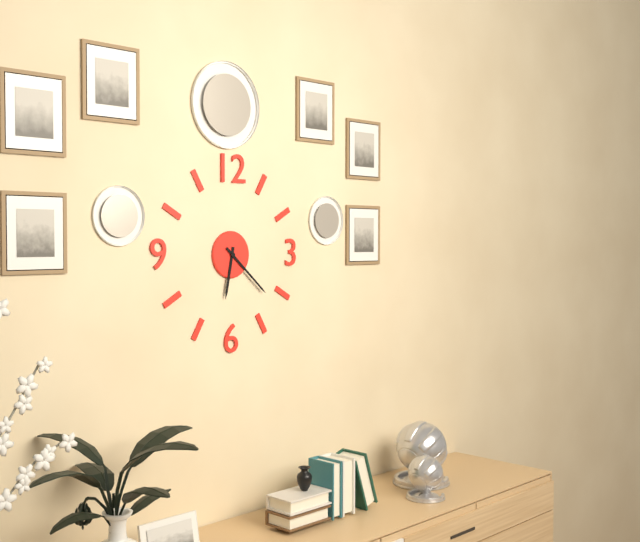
6:22
